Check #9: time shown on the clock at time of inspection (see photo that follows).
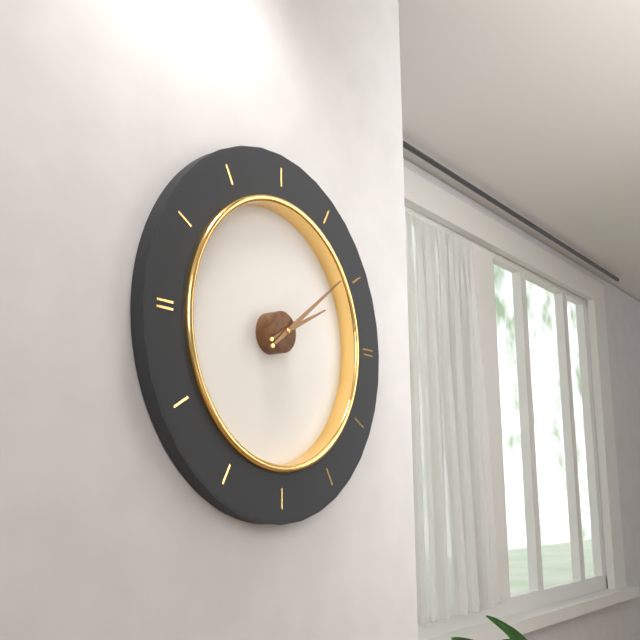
2:09
